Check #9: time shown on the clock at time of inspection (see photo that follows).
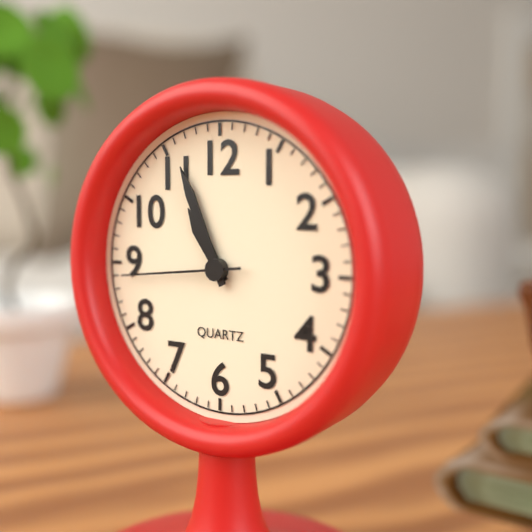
10:56:44
